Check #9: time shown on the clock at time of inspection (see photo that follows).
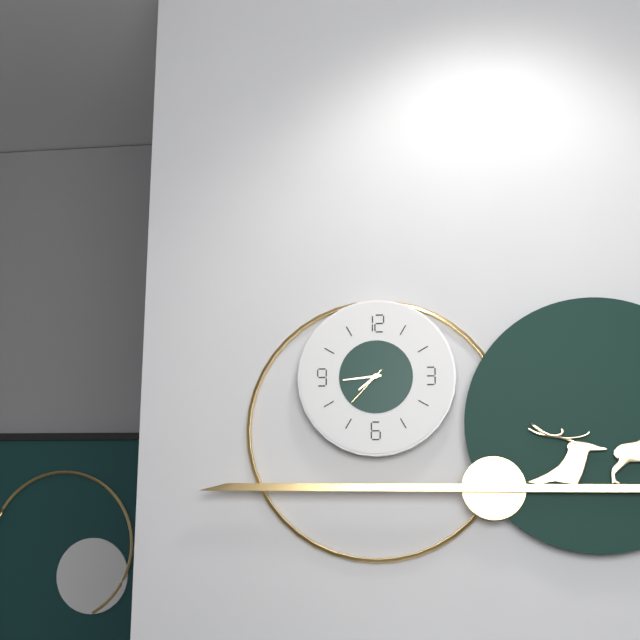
7:44
